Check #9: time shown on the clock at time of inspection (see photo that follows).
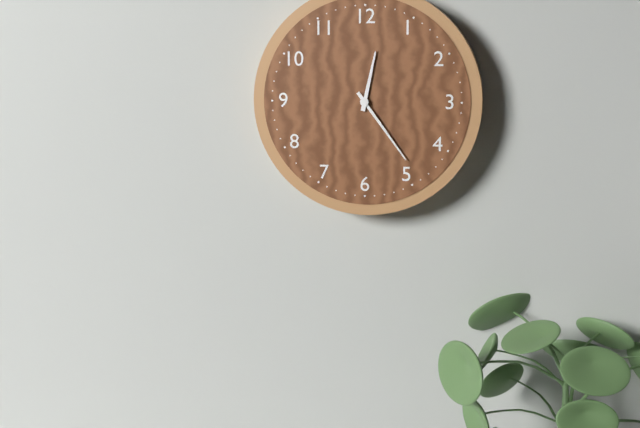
12:24
